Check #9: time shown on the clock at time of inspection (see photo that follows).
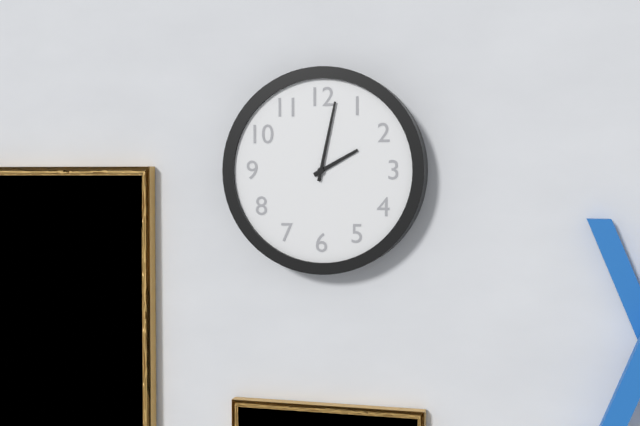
2:02
